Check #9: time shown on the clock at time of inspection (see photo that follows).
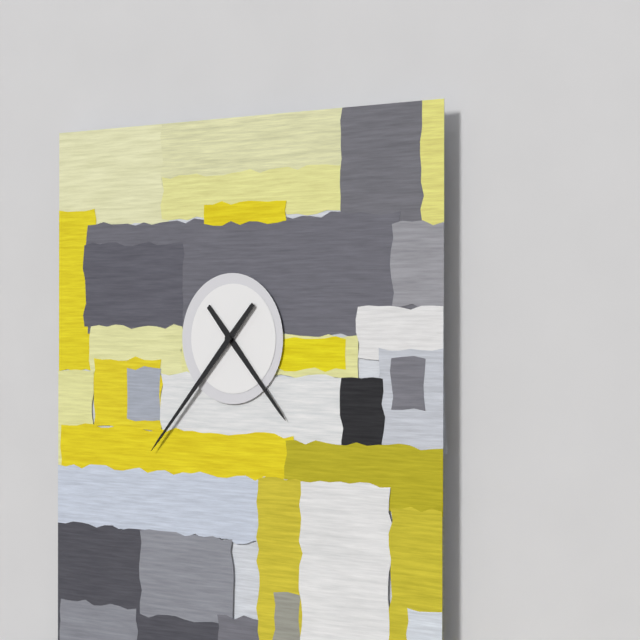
4:37
